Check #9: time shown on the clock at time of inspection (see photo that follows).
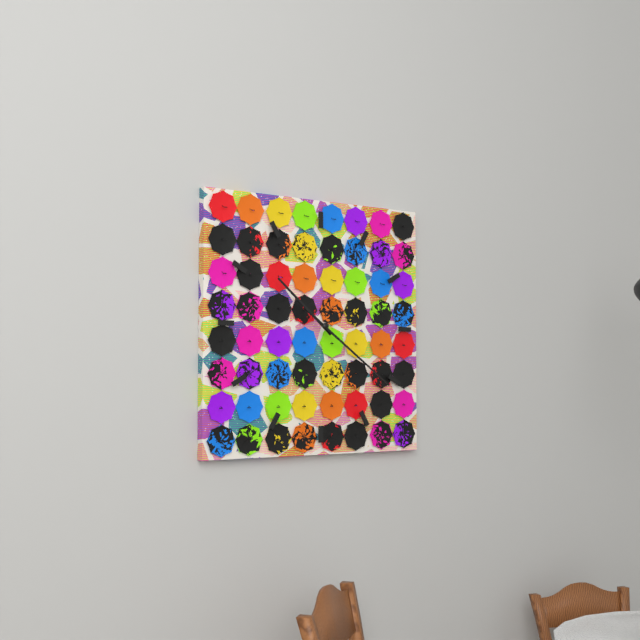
10:21
